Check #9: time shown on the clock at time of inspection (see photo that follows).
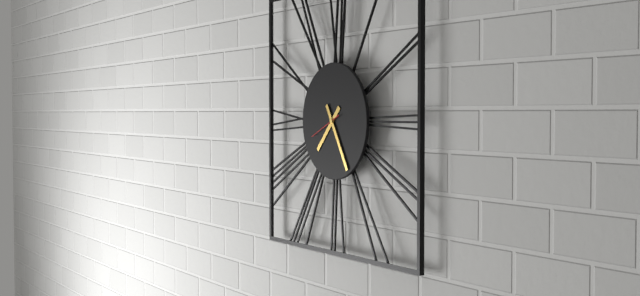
7:25
